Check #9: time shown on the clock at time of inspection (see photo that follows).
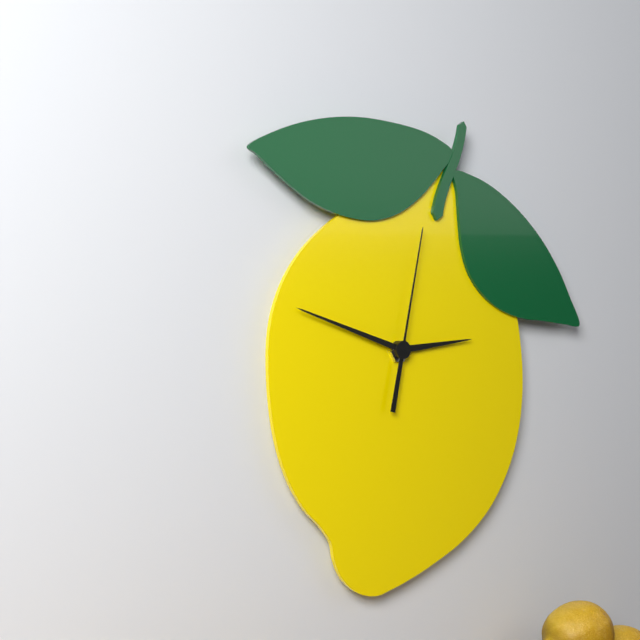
2:48:02
